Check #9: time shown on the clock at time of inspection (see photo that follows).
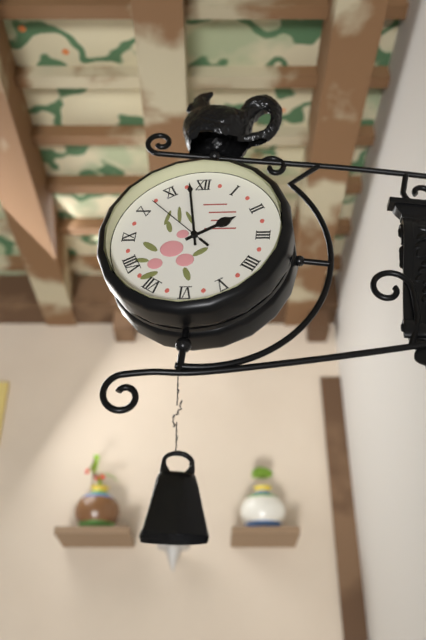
1:58:52
